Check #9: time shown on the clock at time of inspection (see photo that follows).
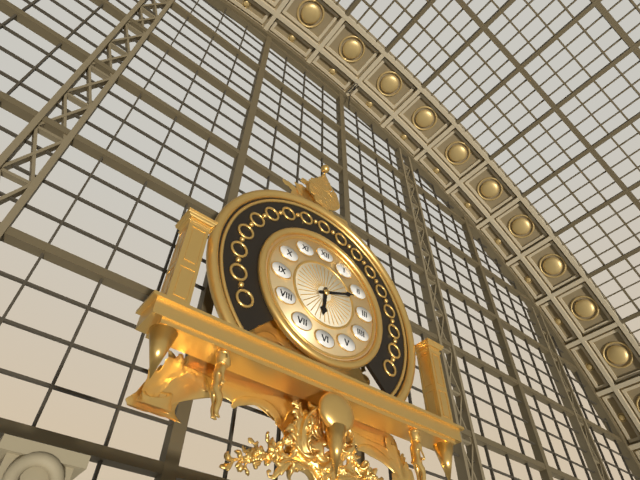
6:11
